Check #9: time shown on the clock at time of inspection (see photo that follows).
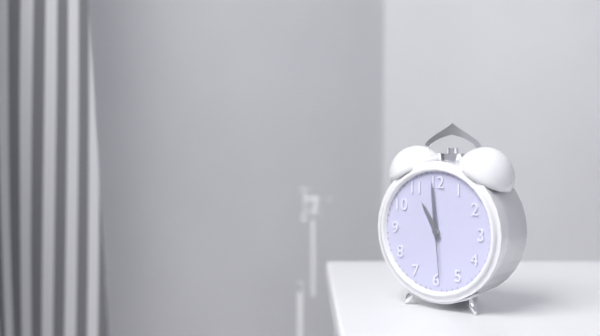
10:59:29
